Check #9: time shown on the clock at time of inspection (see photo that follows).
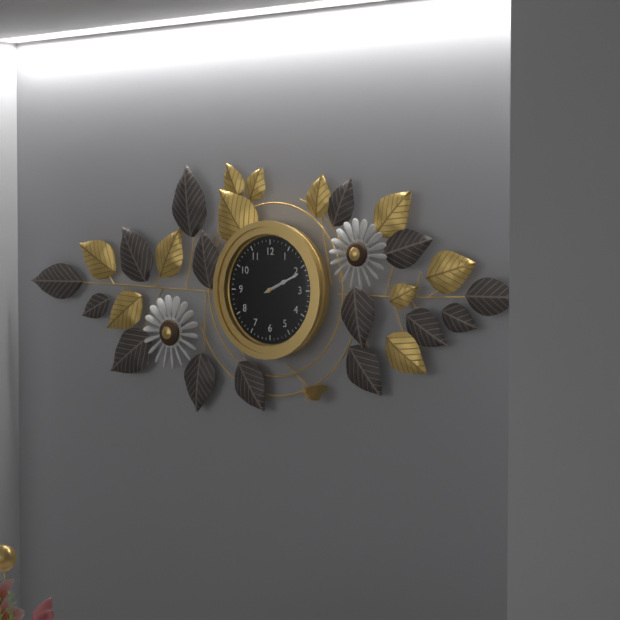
2:11
